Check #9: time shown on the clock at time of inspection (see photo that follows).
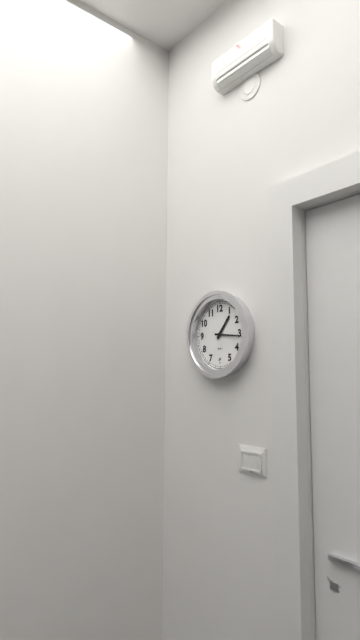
1:16
